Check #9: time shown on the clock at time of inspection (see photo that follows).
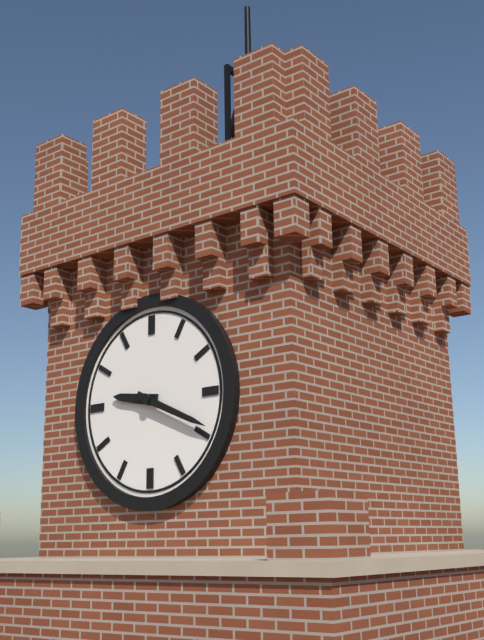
9:19
